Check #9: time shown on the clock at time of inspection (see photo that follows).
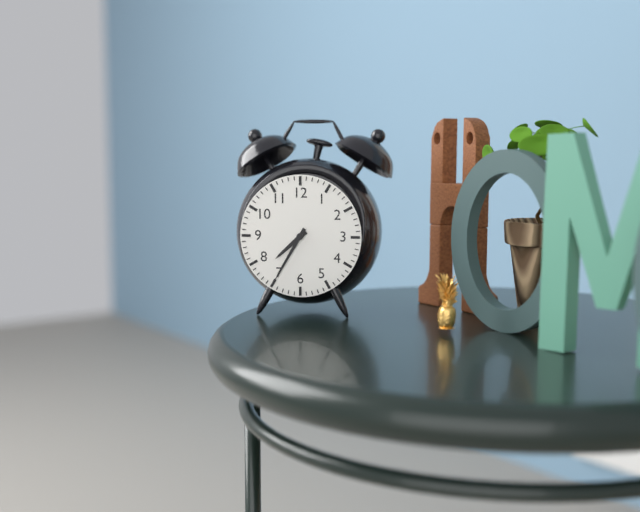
7:35
